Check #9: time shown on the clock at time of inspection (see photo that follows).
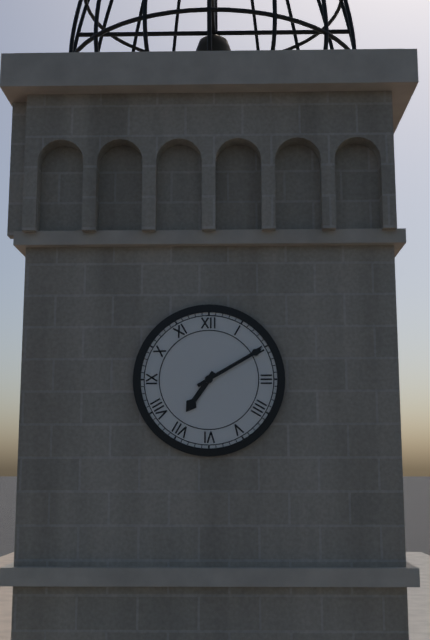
7:10
